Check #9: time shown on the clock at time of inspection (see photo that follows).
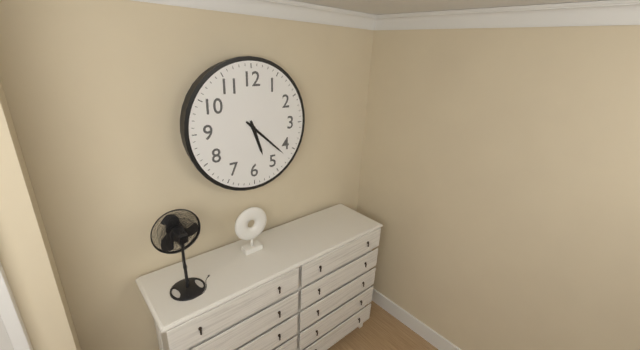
5:22
